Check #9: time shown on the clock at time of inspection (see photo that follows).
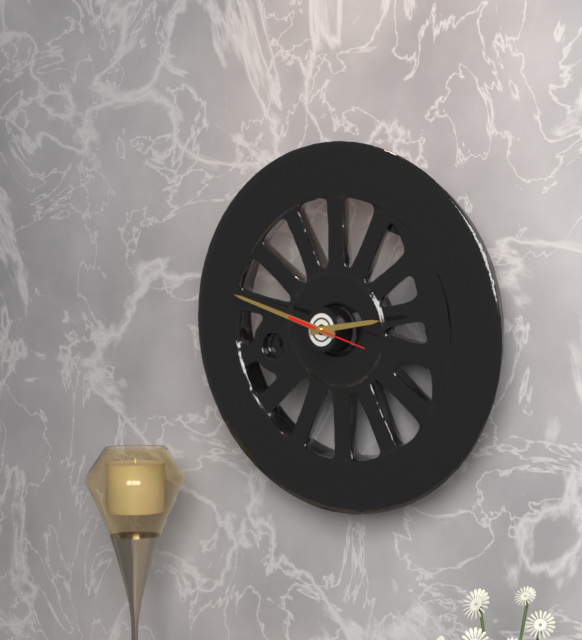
2:48:18
